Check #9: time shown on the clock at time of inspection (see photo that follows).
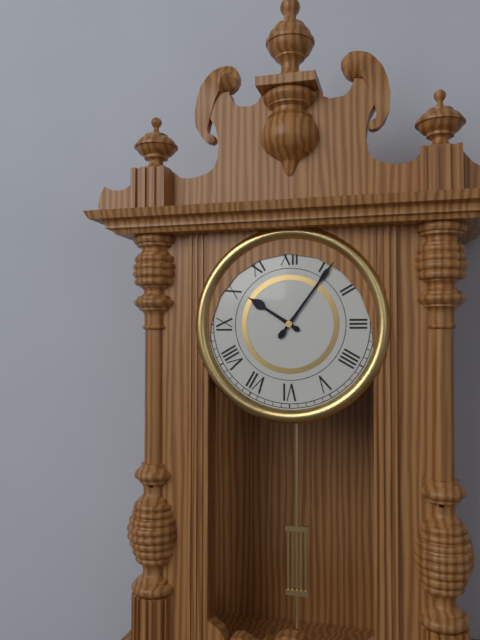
10:06
